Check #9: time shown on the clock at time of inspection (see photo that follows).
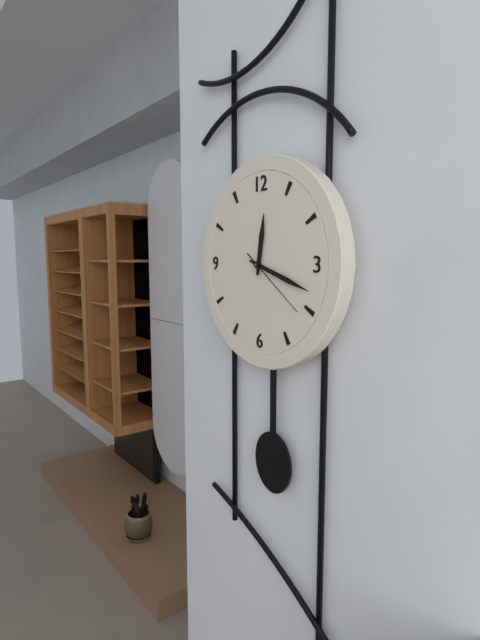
12:18:21
